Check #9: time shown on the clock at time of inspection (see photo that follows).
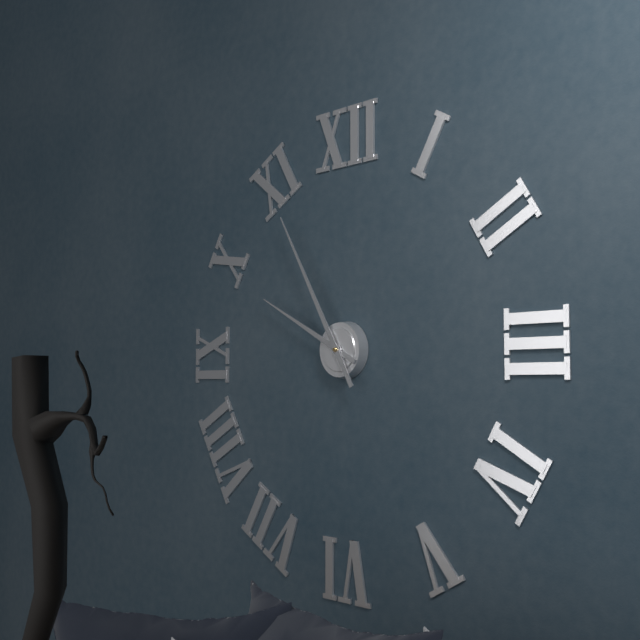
9:55
